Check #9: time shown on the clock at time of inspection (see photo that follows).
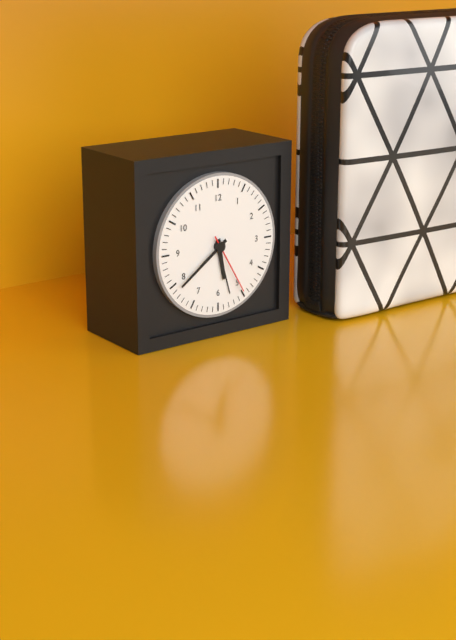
5:39:25
